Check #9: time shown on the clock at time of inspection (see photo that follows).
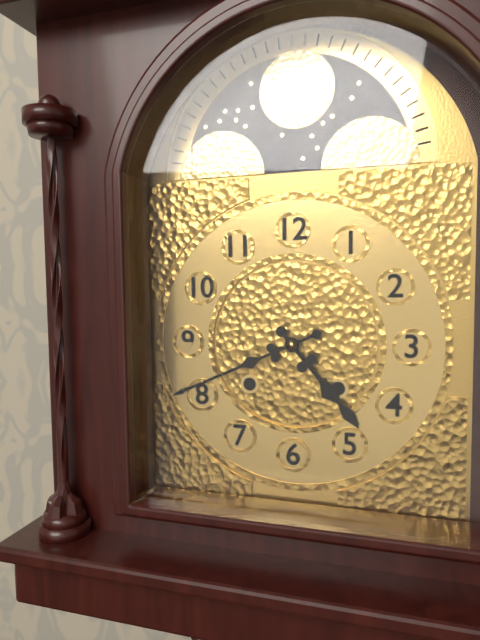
4:41
